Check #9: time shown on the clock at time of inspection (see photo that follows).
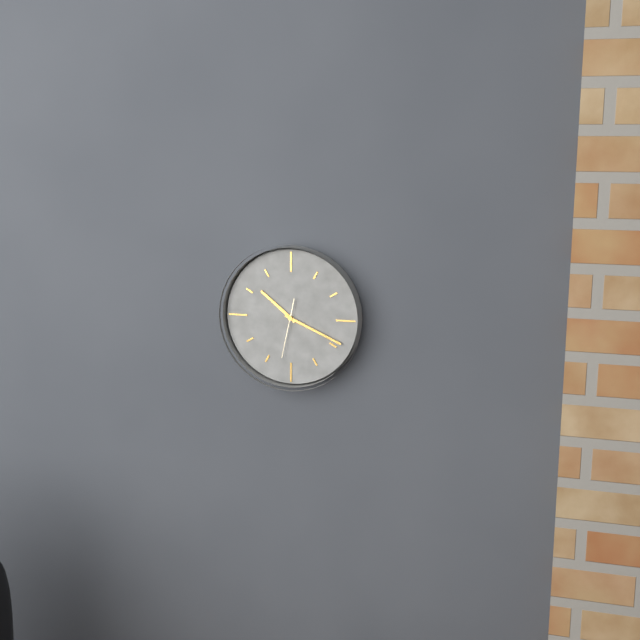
10:19:32
